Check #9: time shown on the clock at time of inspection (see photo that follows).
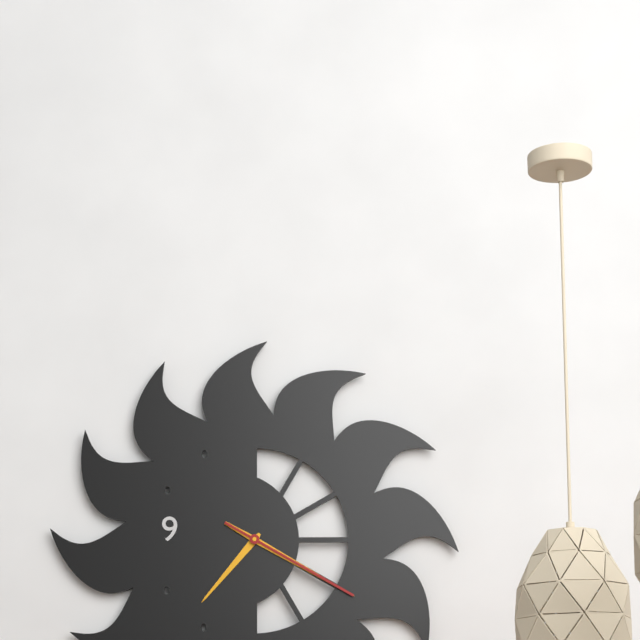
7:20:20
